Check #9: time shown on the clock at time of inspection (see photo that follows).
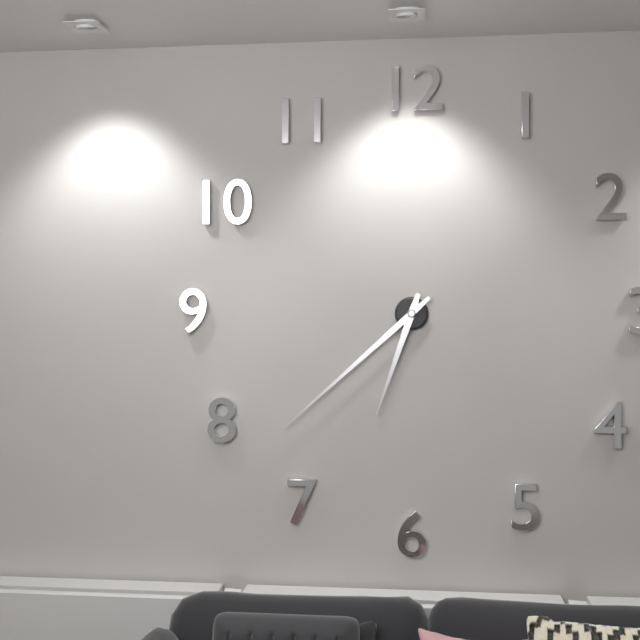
6:38
